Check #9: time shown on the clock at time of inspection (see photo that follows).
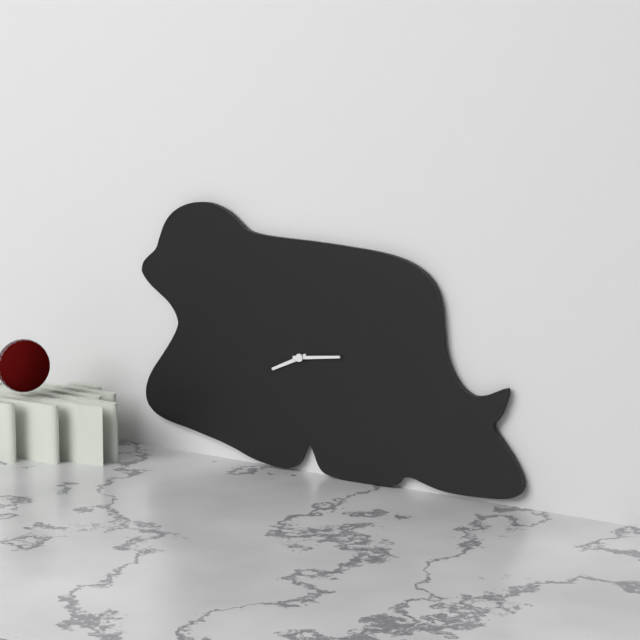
8:14
